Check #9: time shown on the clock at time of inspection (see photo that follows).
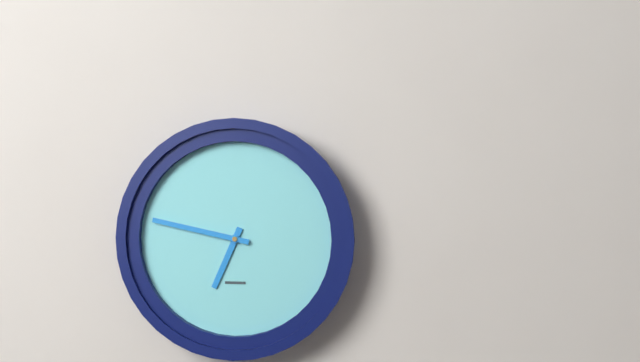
6:47
